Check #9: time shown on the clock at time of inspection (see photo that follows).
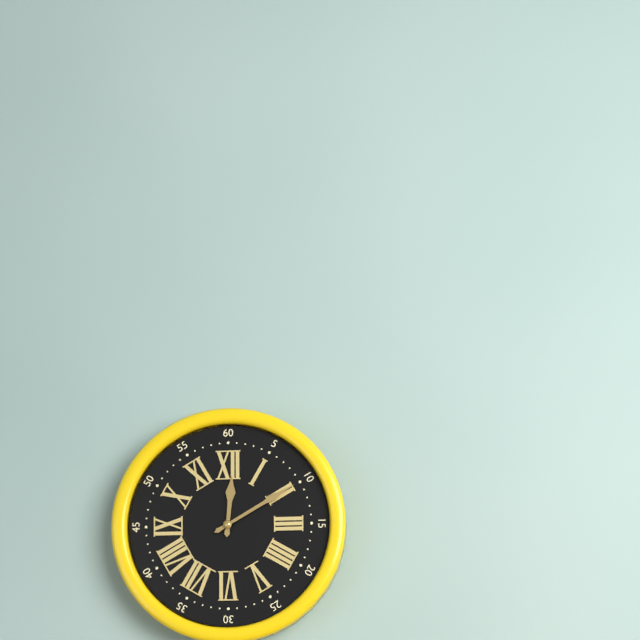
12:10
